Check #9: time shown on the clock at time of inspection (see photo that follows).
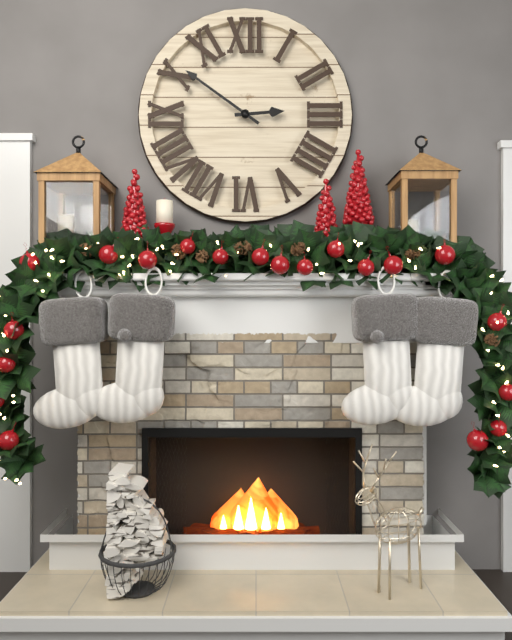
2:51
